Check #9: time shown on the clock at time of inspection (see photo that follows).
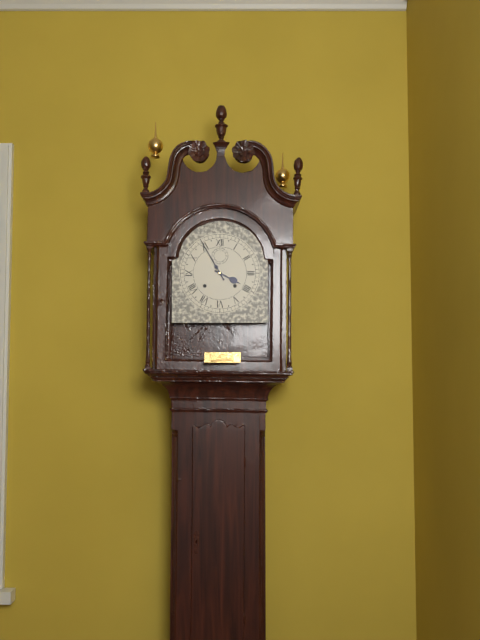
3:55
